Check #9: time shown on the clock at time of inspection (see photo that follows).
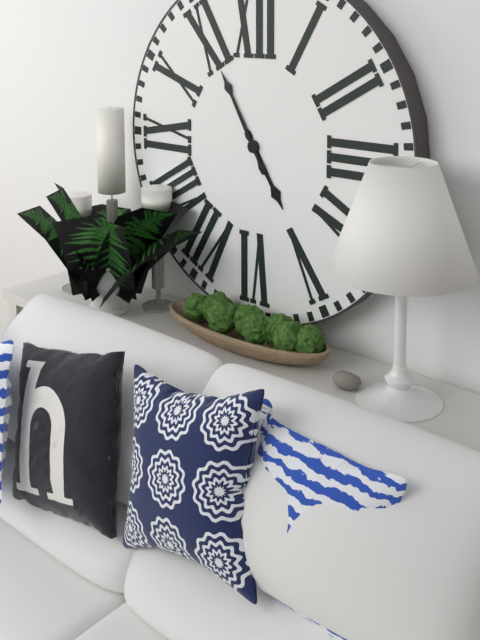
4:55
